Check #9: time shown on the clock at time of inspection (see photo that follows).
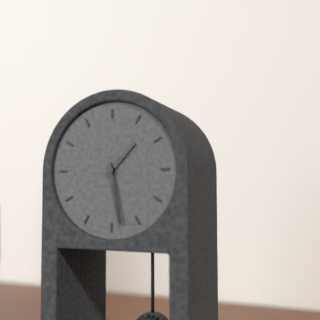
1:28
